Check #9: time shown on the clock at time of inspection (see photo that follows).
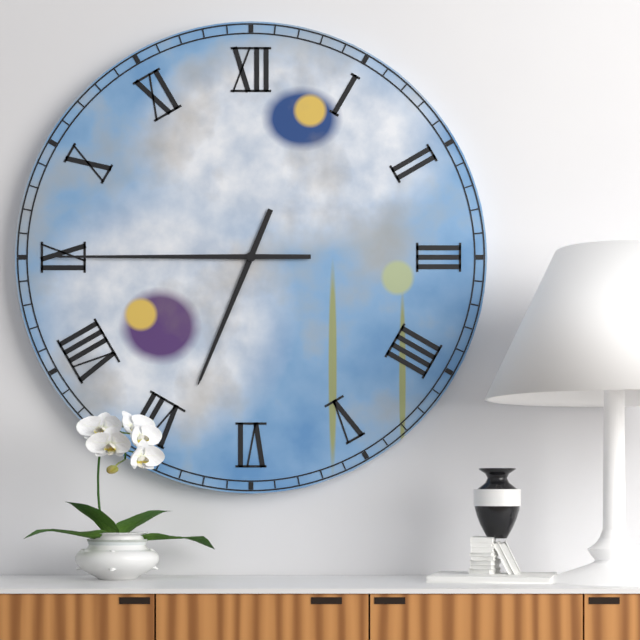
6:45
